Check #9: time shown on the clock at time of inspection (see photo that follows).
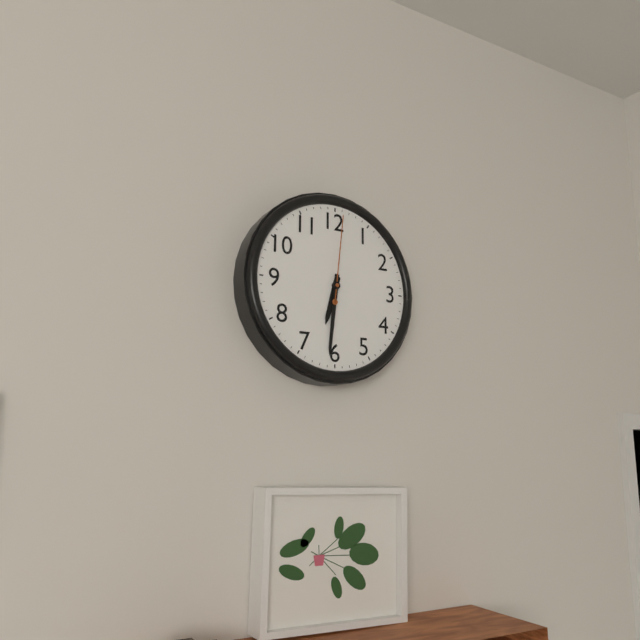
6:31:01
